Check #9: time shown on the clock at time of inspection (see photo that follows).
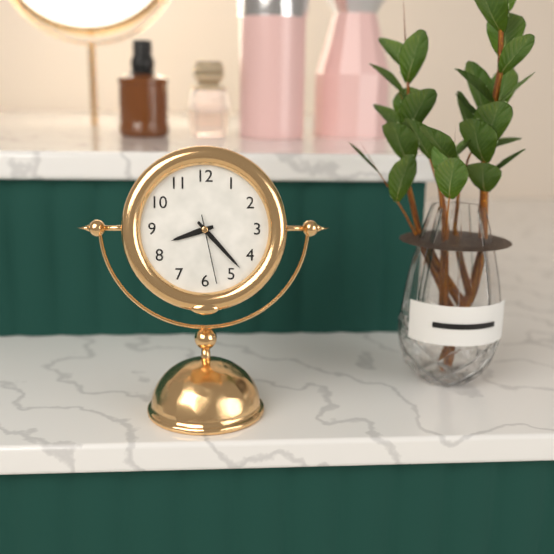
8:23:28
